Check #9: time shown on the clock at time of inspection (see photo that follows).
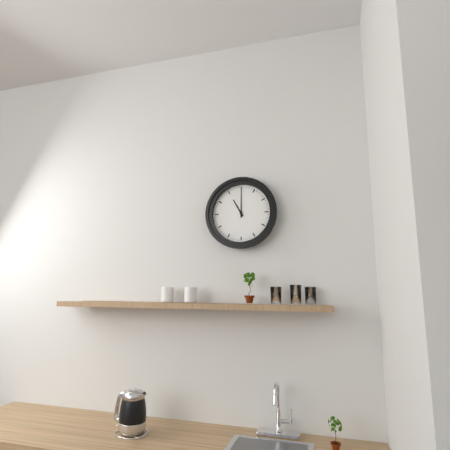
11:00
